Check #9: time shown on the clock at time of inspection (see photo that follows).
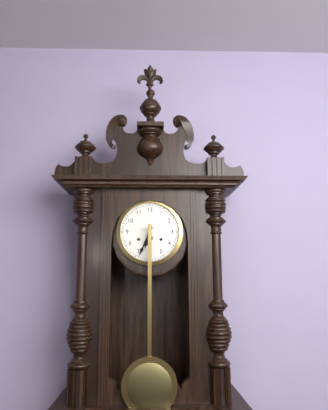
6:34
